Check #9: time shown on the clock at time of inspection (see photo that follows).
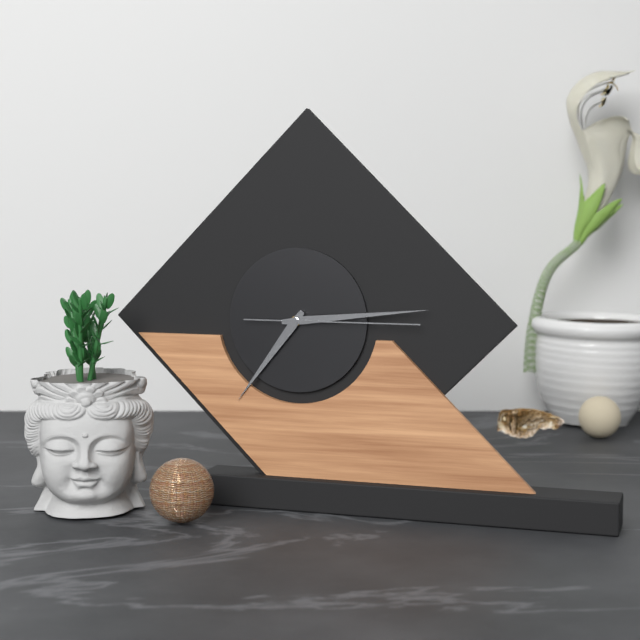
7:14:15
